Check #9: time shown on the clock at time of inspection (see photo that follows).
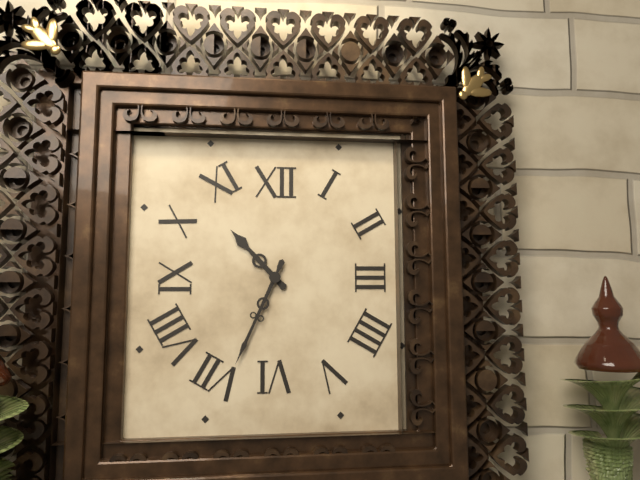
10:34
